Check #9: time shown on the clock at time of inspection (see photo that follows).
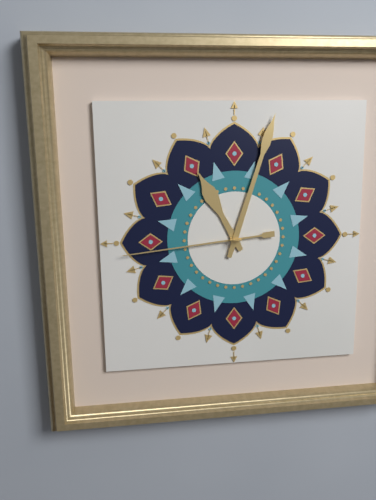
11:03:44
